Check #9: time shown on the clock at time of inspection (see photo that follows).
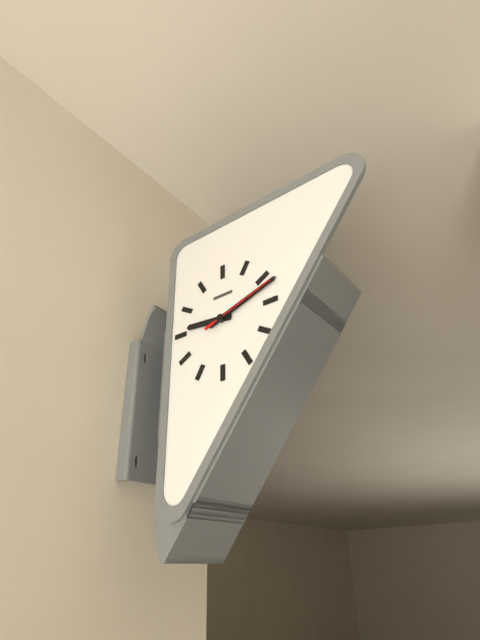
9:12:12
